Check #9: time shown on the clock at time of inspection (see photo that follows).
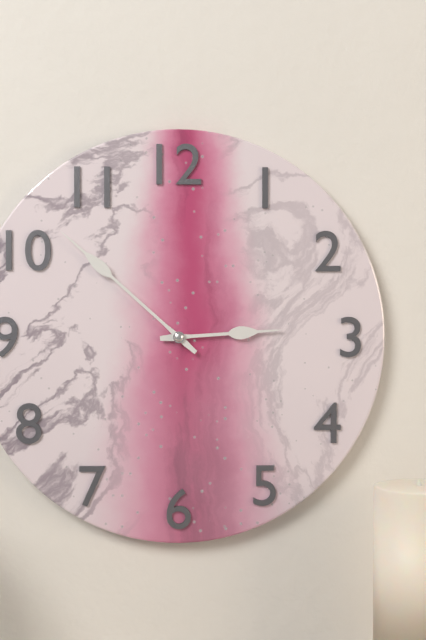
2:52
